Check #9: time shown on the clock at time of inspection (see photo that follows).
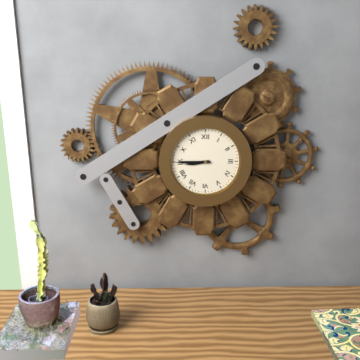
8:45
